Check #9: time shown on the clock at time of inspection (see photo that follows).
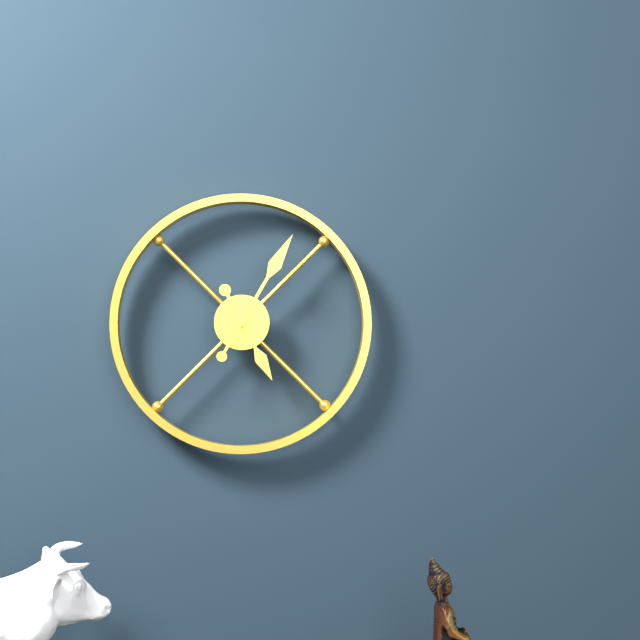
5:05
